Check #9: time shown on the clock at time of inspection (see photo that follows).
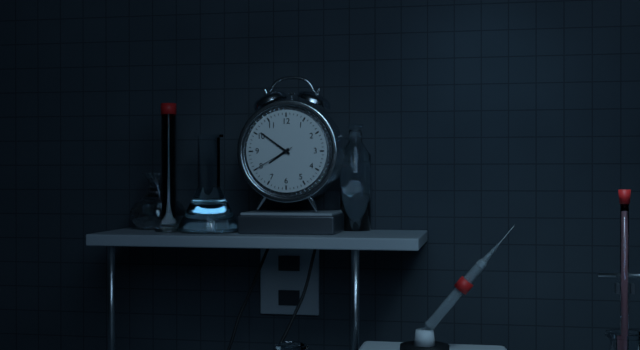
7:51
